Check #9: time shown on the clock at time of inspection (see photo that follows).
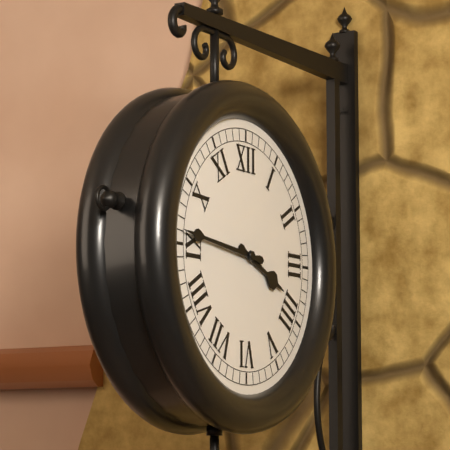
3:46
